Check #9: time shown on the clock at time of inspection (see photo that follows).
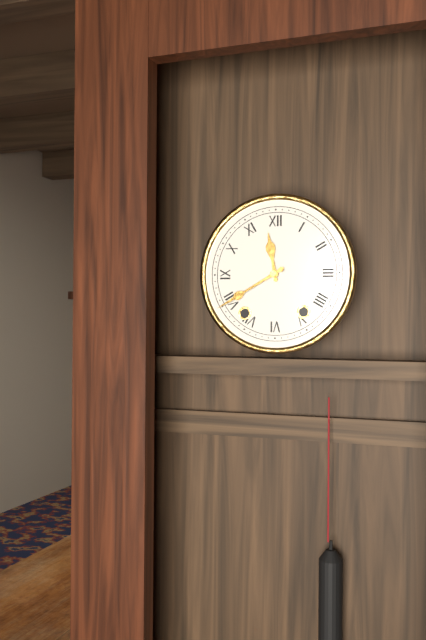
11:40
